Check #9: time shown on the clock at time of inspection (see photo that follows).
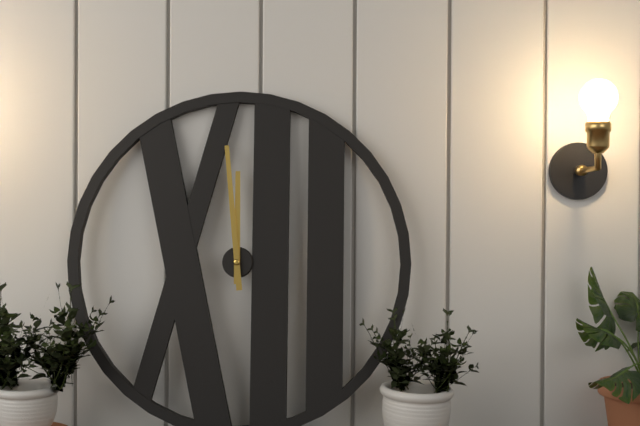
11:59
